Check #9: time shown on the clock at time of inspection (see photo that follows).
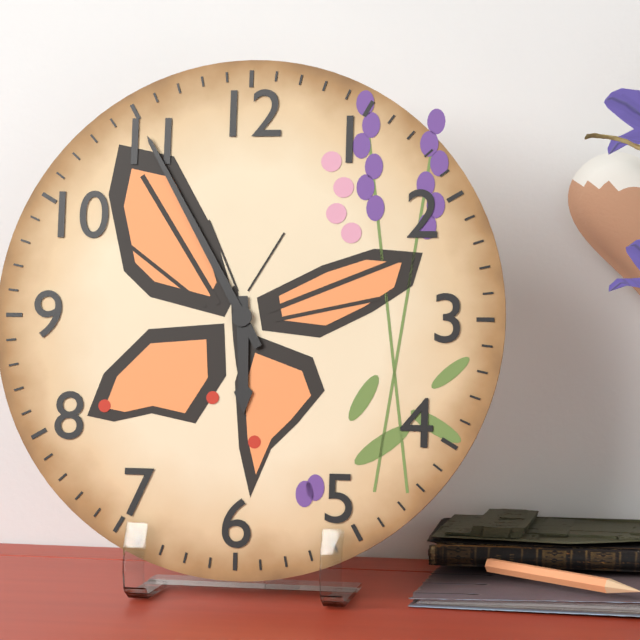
5:55
